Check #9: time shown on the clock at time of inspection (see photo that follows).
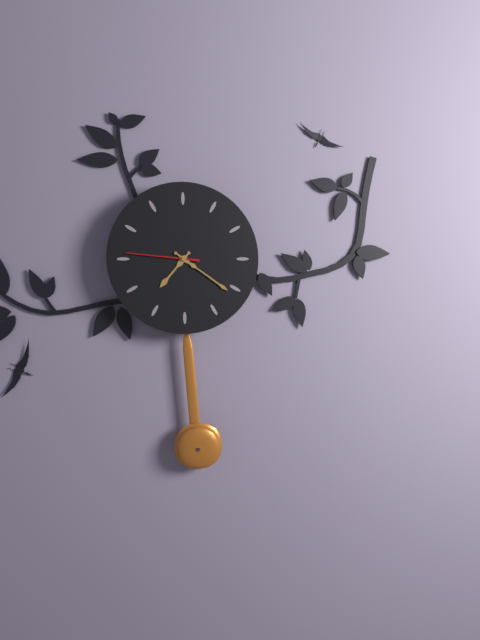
7:21:46
